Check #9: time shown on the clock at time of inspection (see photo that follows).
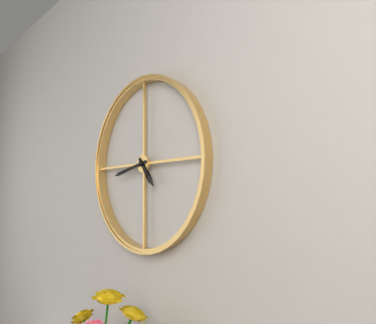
4:43
